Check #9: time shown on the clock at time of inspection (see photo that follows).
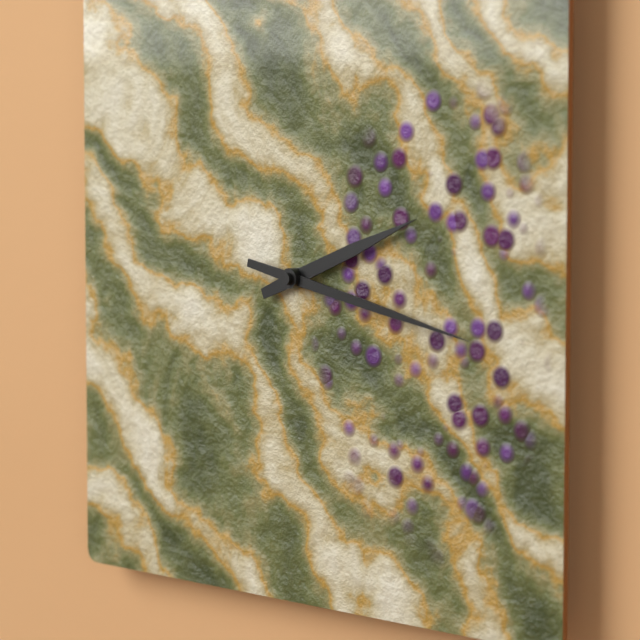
2:17
